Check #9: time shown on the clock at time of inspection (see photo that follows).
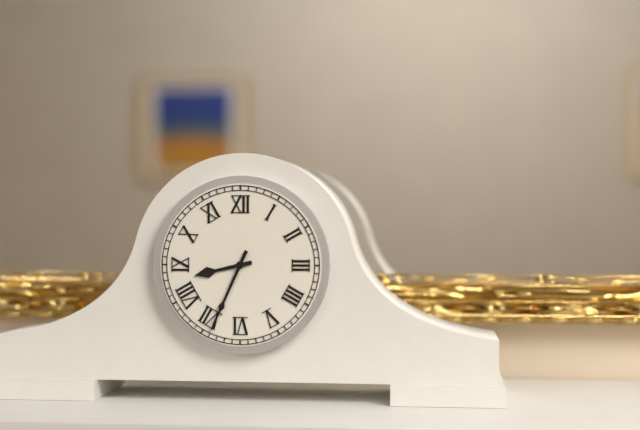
8:34
